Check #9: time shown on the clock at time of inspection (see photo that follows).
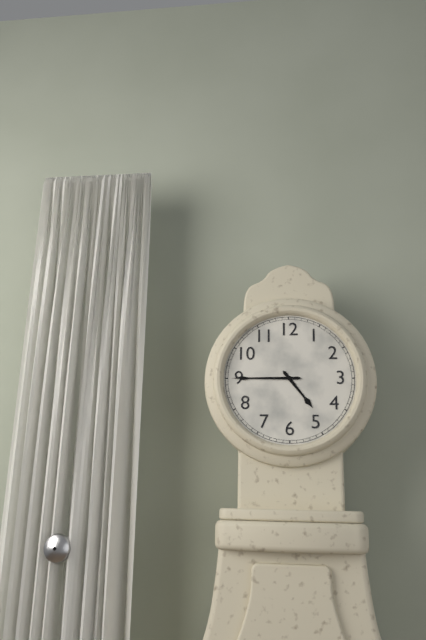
4:45
